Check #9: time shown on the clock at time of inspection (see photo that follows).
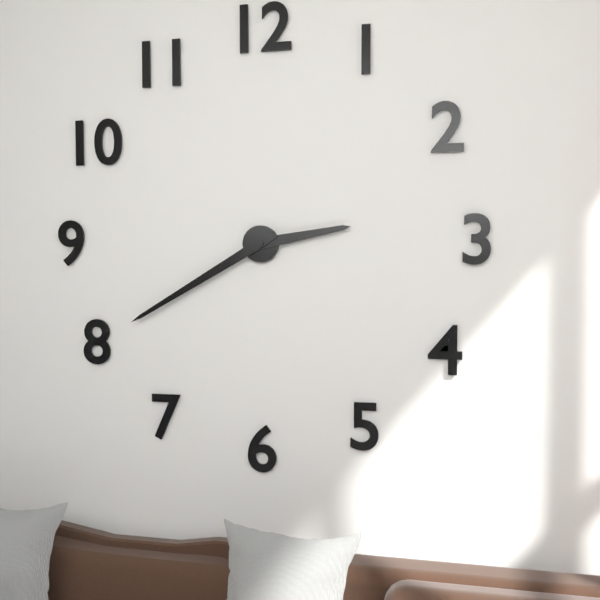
2:40
